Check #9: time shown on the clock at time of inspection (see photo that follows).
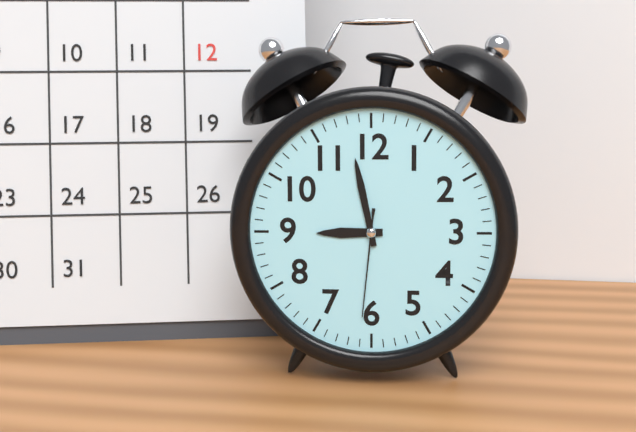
8:58:31
